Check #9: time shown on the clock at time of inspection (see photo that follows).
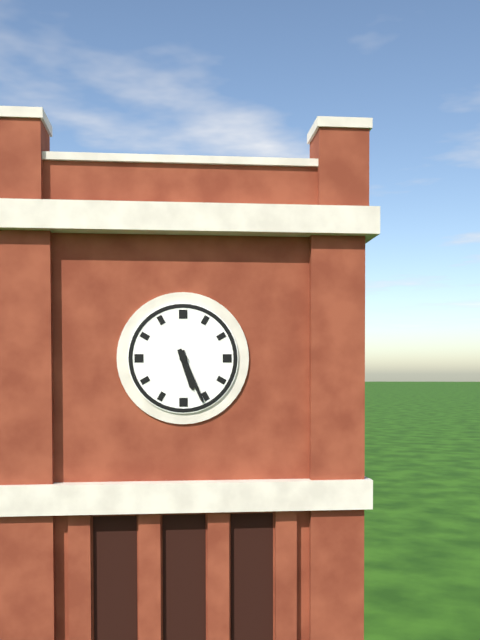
5:26
